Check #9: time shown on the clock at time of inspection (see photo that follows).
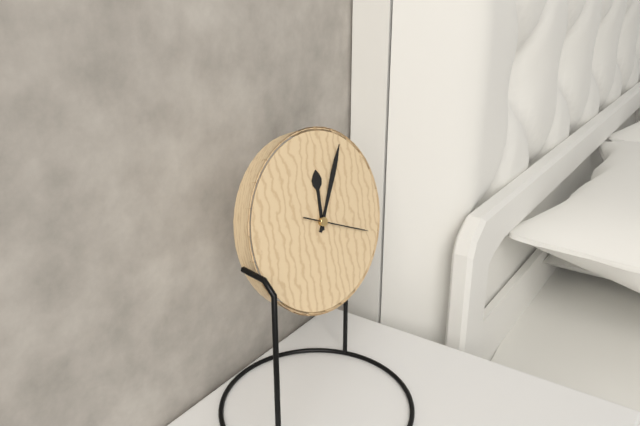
12:05:19
